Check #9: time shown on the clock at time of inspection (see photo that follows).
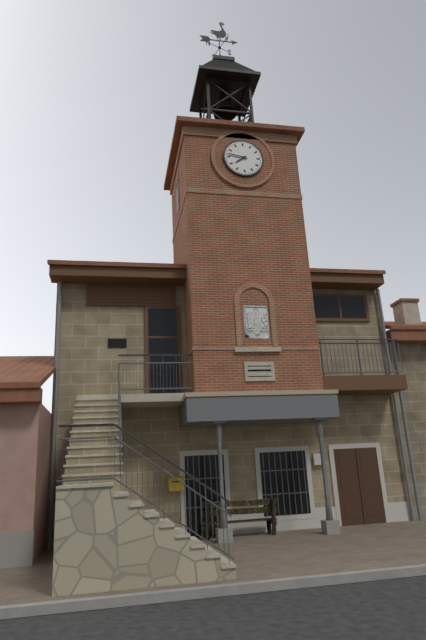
7:47
